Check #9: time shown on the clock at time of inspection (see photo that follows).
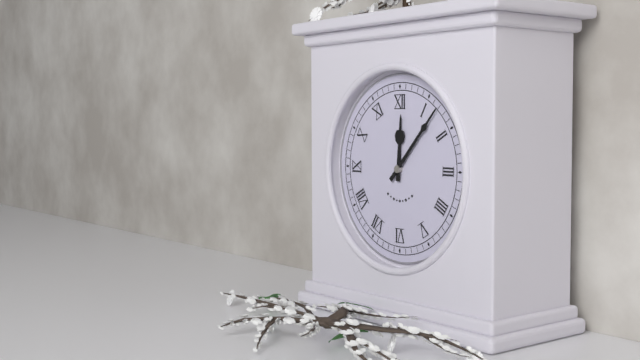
12:07
